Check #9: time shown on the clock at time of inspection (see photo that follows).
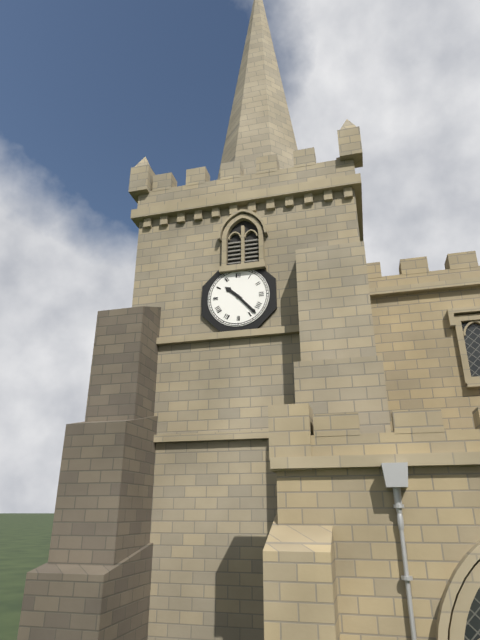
10:23
